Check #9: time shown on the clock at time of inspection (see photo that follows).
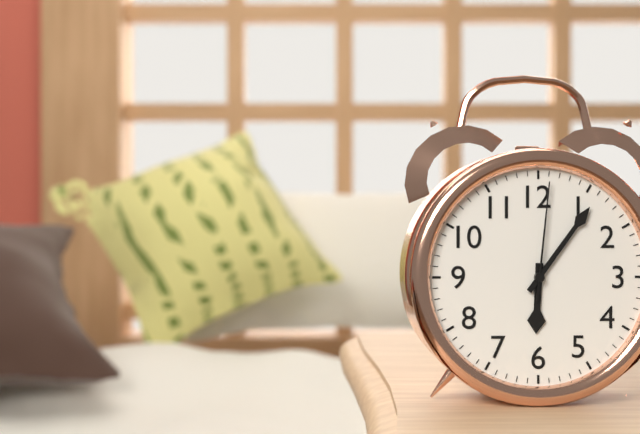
6:06:01
